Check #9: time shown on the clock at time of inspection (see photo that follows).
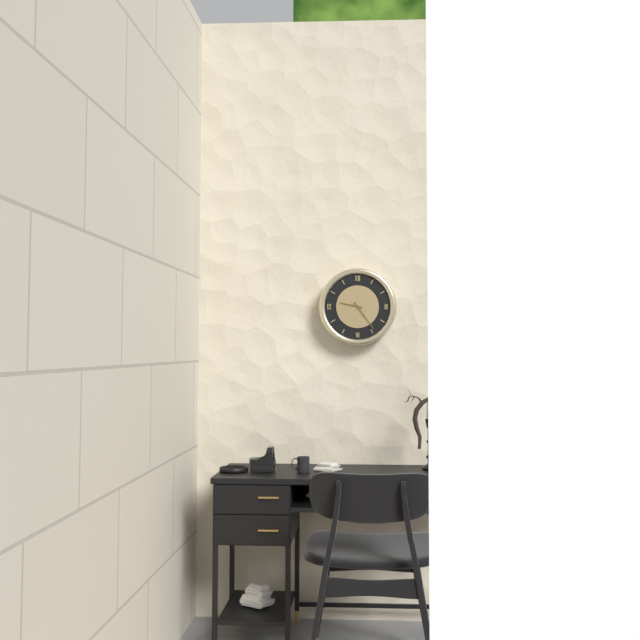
9:24
